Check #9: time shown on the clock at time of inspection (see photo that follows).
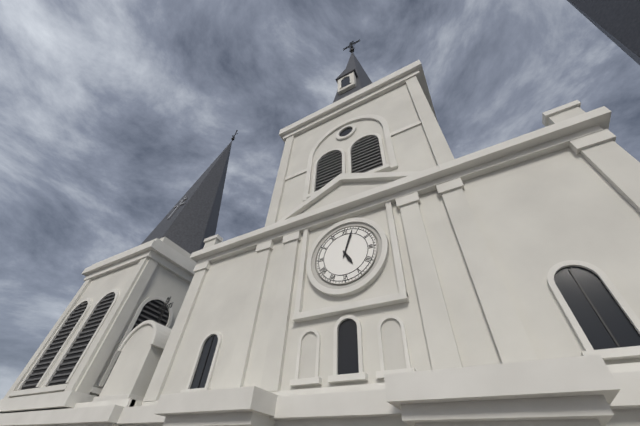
5:03
